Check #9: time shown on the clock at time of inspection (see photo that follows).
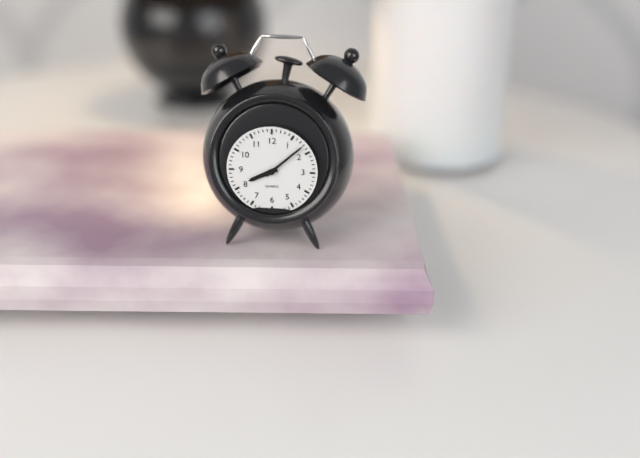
8:08
